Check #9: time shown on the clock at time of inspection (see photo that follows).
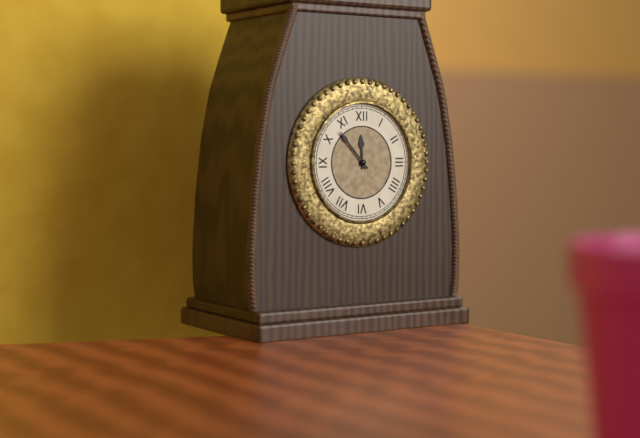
11:53
